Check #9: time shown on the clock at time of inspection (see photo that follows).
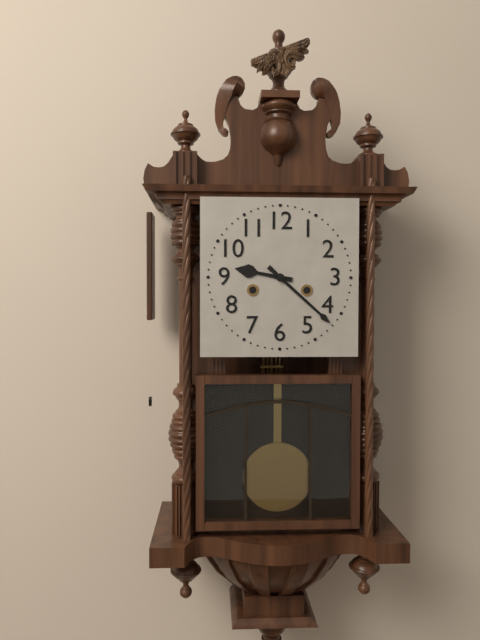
9:22
